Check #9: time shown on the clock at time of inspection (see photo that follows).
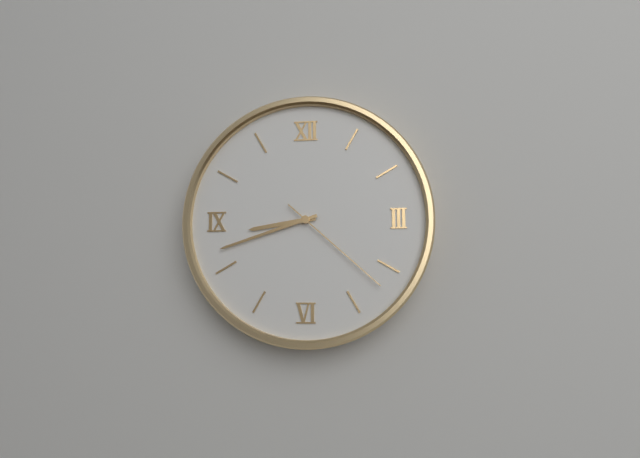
8:42:22
